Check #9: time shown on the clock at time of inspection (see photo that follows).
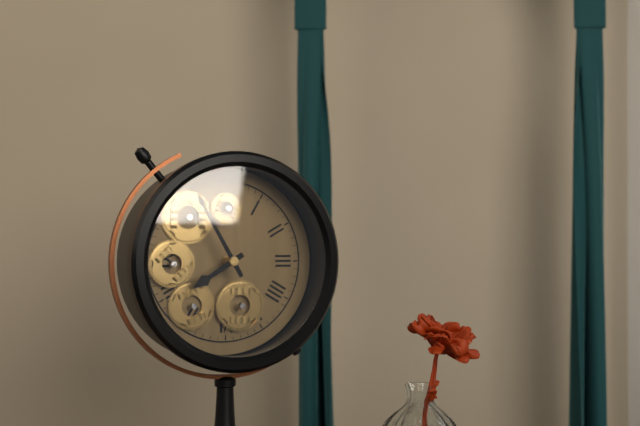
7:55
